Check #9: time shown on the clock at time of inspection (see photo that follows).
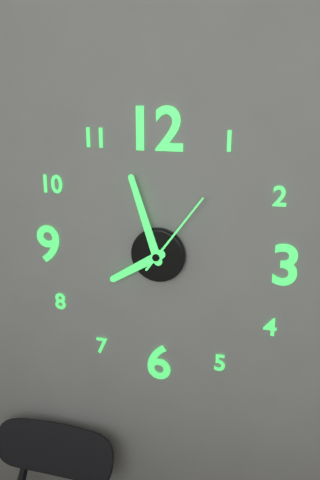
7:57:06
